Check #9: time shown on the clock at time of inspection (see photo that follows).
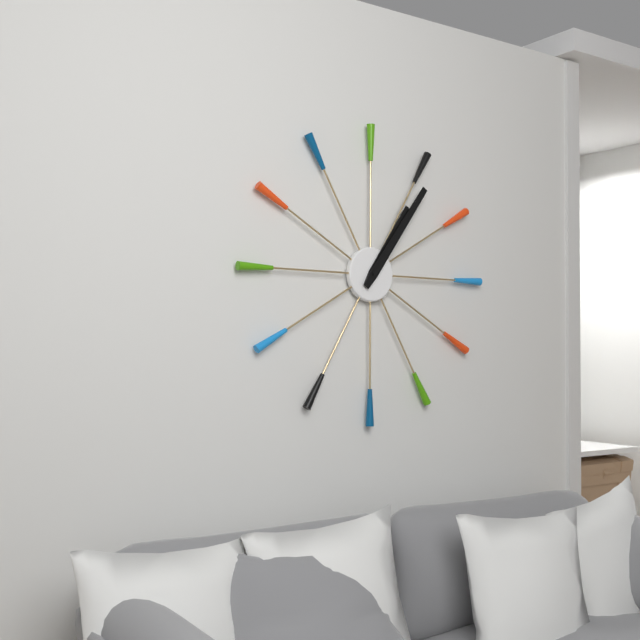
1:06
